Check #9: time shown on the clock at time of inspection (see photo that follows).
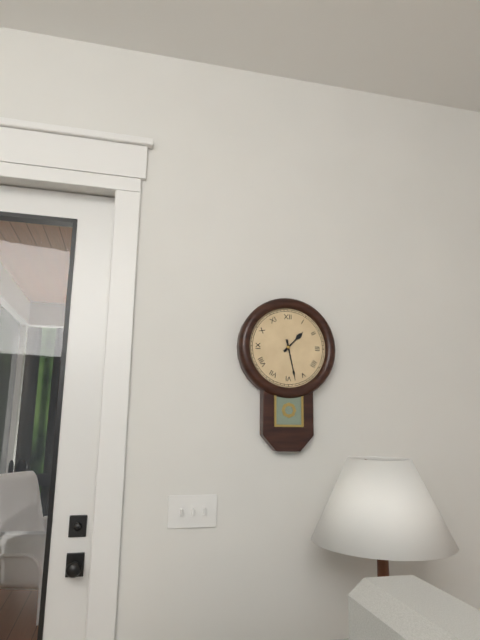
1:28
